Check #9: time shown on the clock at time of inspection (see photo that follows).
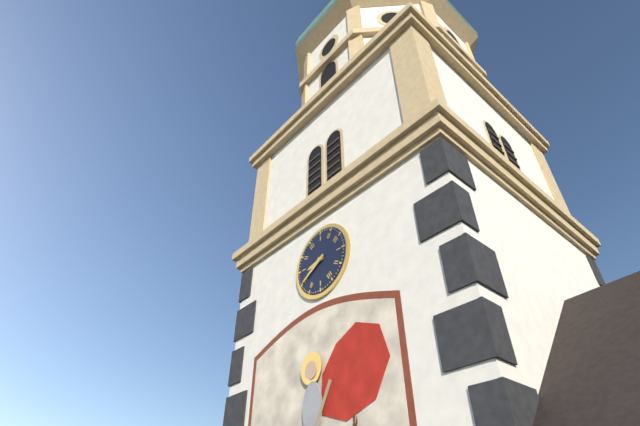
8:40
